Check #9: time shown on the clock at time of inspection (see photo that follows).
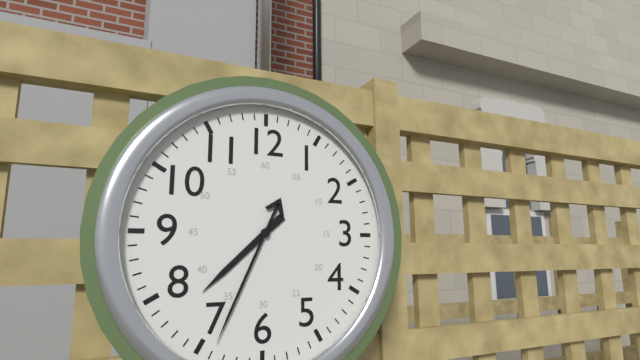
7:34
